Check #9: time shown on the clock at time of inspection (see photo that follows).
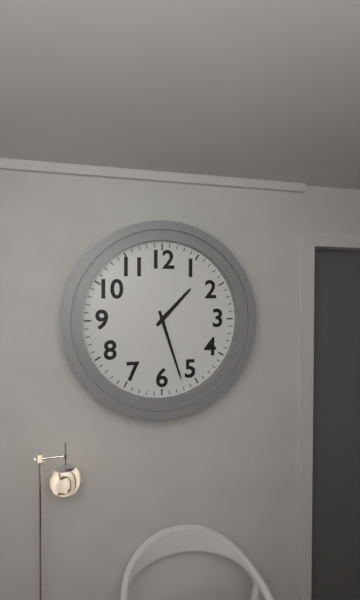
1:27
